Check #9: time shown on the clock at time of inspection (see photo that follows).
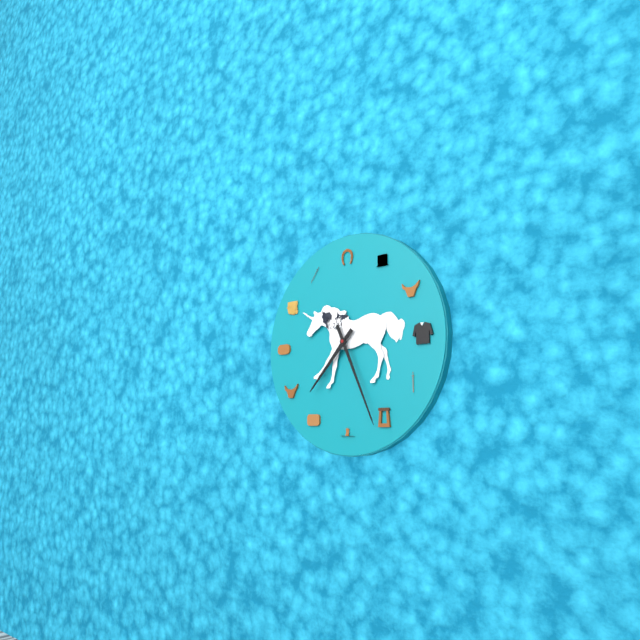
7:26
